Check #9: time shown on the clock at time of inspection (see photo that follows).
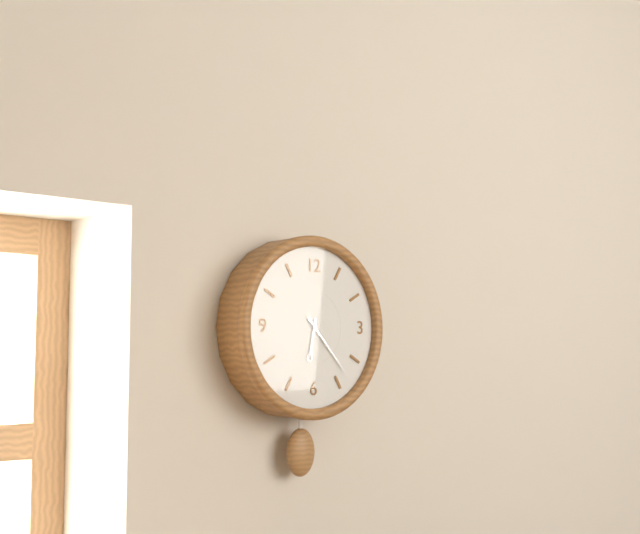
6:23
